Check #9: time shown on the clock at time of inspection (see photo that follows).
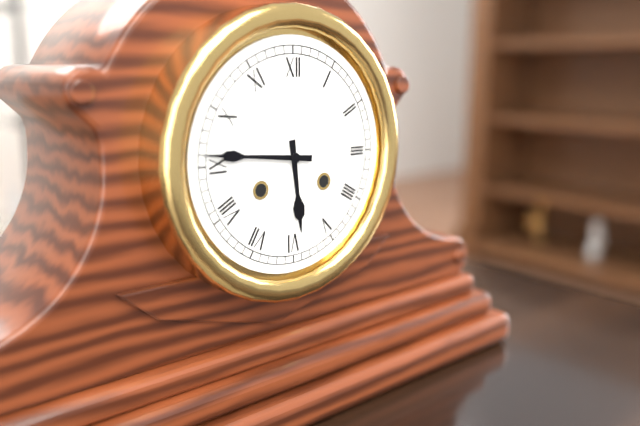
5:46
